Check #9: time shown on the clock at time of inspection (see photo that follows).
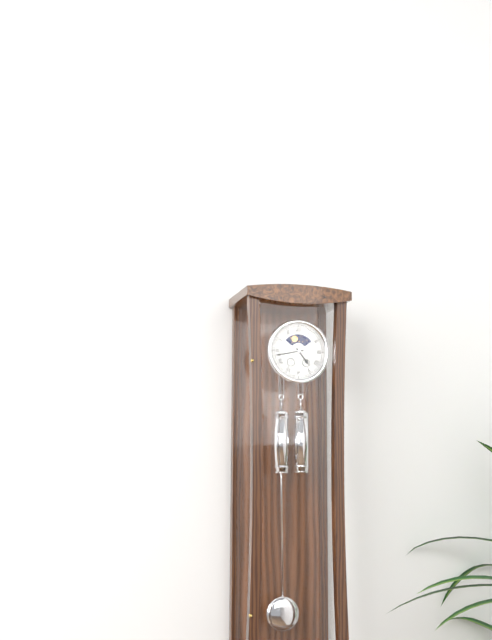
4:43
